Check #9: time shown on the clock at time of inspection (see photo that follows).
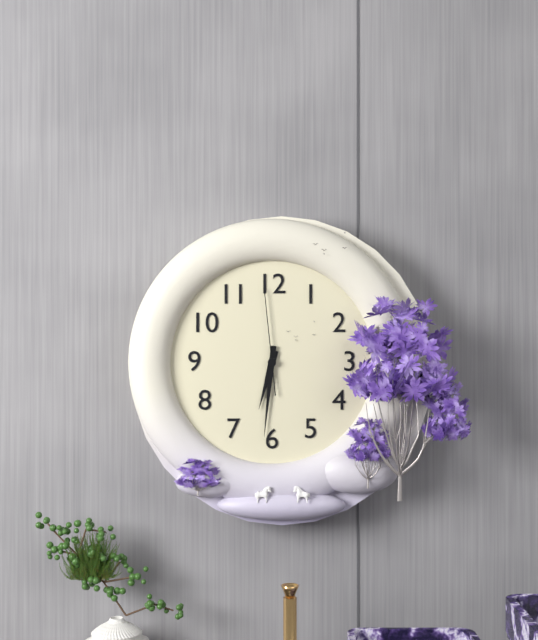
6:31:59
